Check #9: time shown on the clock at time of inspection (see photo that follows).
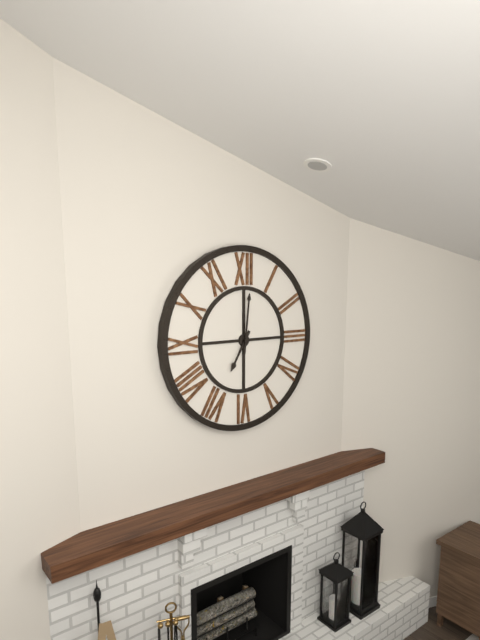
7:01
